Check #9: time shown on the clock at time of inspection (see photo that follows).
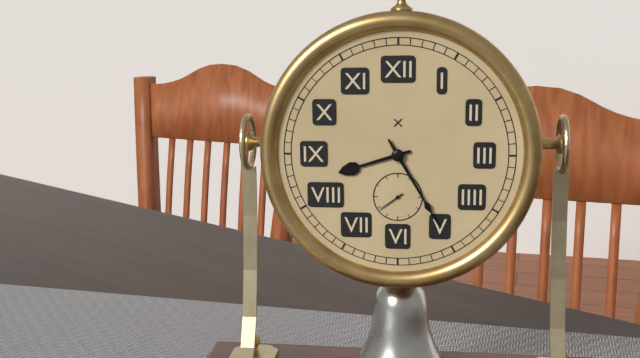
8:25
